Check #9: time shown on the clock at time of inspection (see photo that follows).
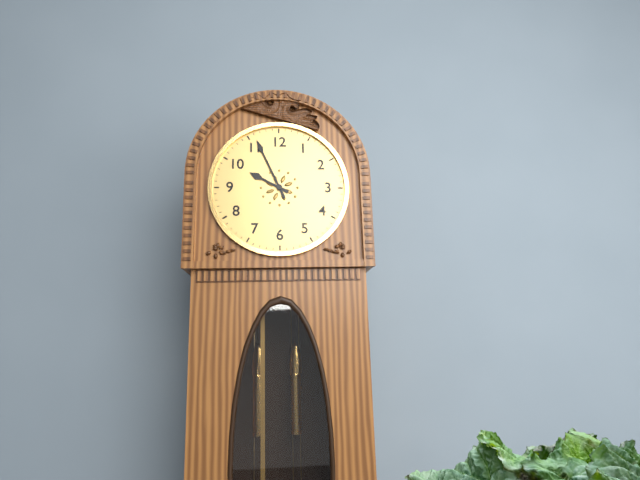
9:56
